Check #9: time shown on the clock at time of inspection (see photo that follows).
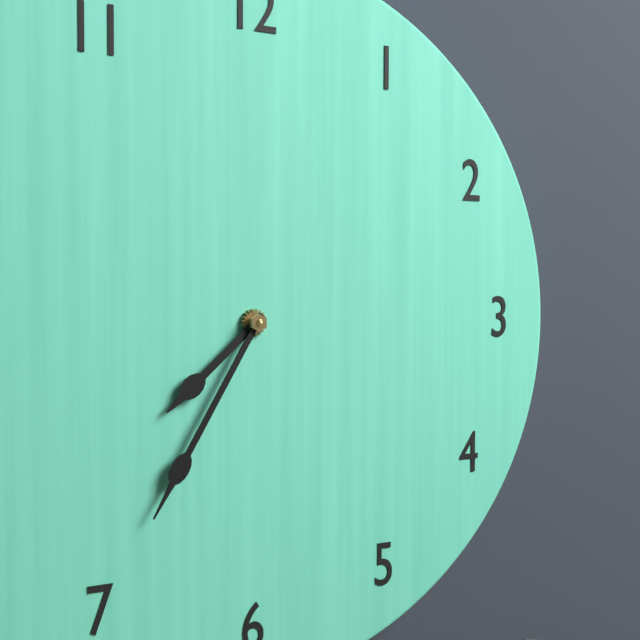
7:35
